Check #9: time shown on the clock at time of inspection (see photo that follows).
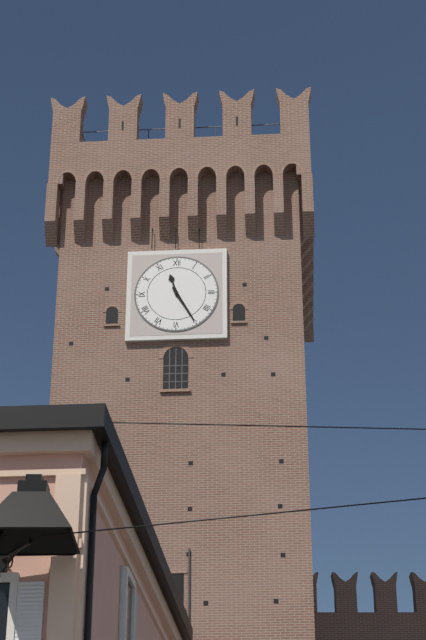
11:25
